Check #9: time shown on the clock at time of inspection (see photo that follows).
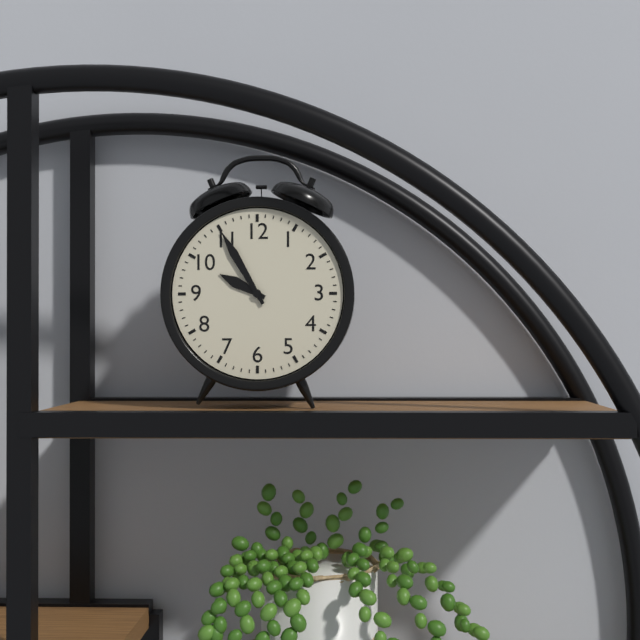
9:55
